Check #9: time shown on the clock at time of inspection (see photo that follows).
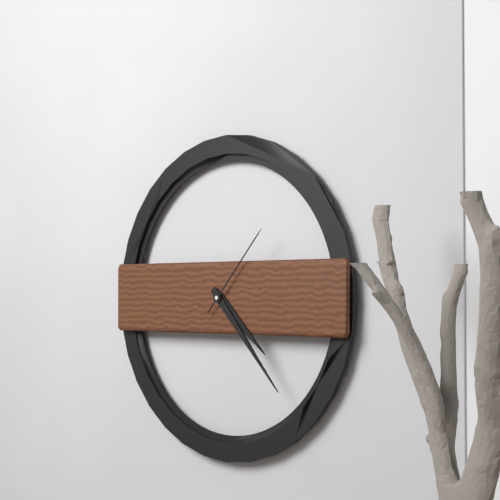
4:23:07
